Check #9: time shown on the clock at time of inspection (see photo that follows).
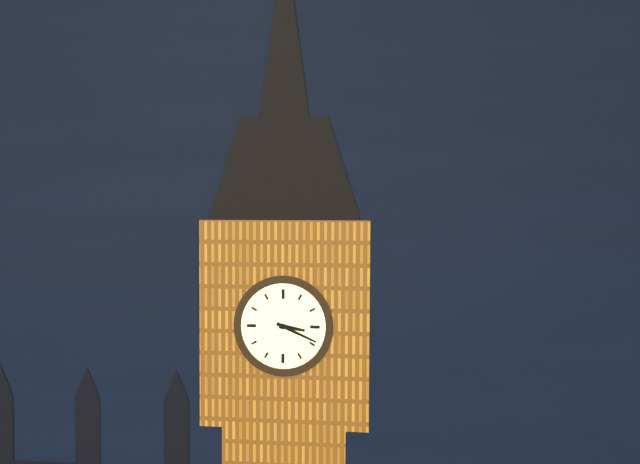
3:19
